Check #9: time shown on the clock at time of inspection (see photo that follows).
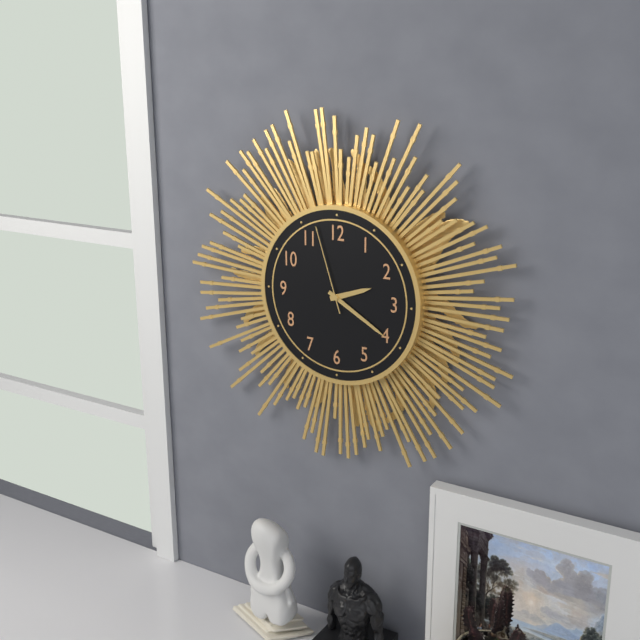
2:20:57
